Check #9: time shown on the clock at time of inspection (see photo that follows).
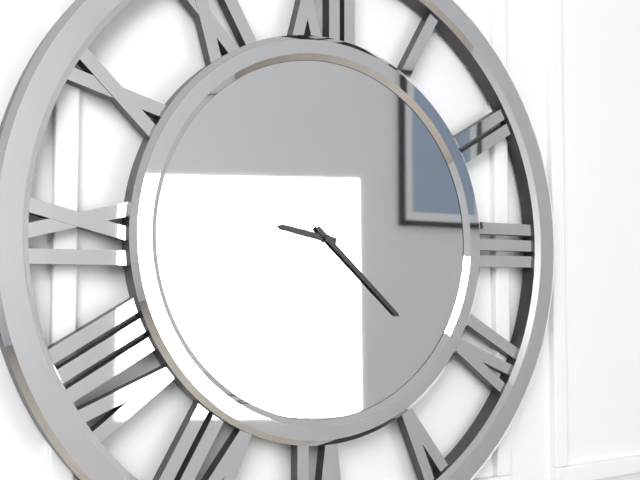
9:22
